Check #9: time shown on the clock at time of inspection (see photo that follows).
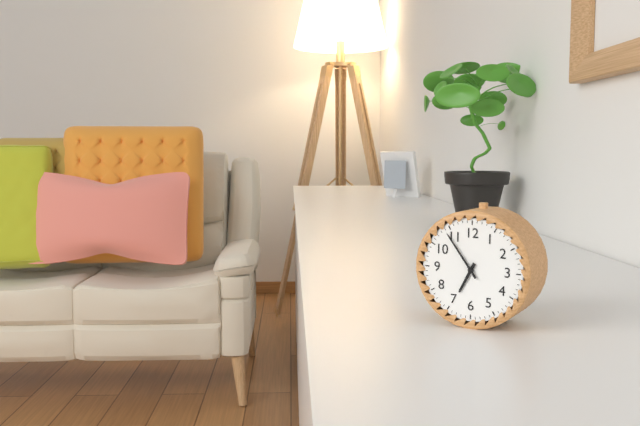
6:54
